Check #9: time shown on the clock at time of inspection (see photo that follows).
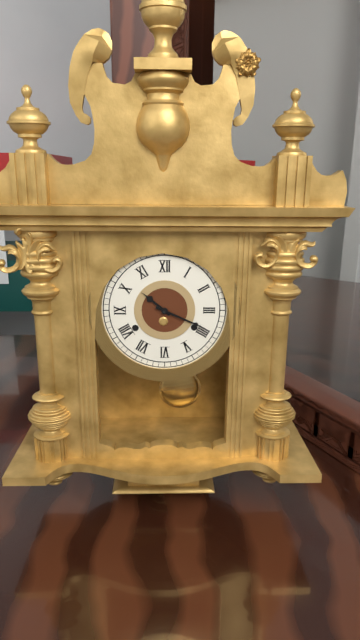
10:19
